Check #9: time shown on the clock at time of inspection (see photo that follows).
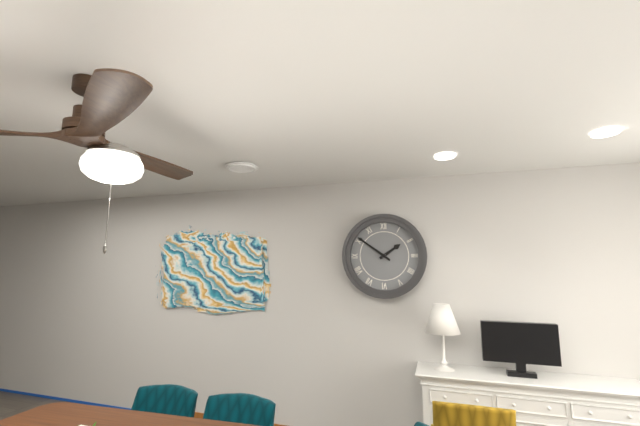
1:51
